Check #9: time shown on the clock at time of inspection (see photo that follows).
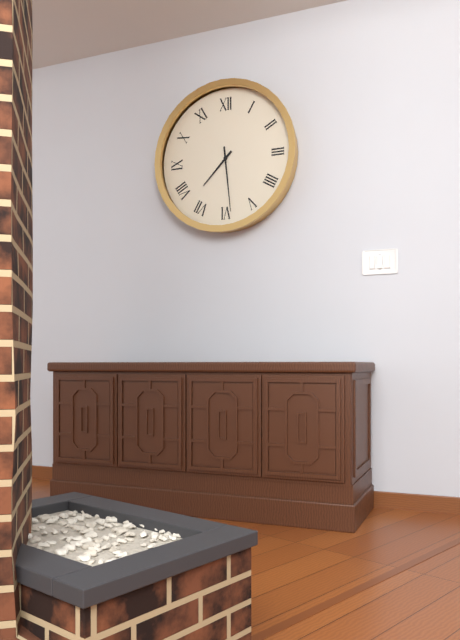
7:29
